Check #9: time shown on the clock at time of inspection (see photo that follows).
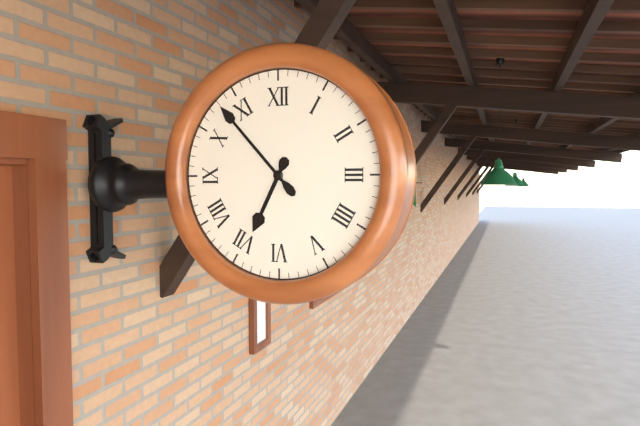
6:53
